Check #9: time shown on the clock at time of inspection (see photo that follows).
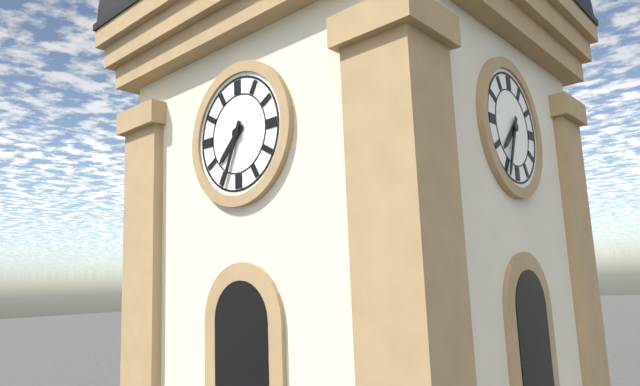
7:34
